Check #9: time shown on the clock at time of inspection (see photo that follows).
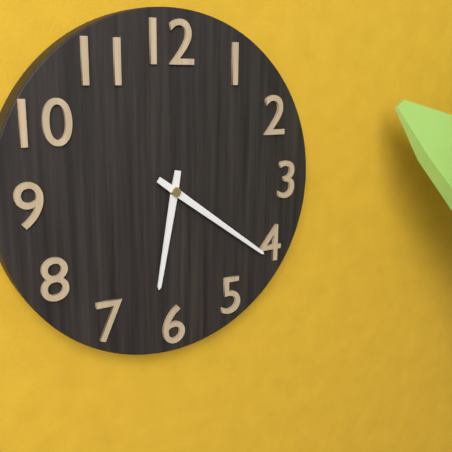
6:21
